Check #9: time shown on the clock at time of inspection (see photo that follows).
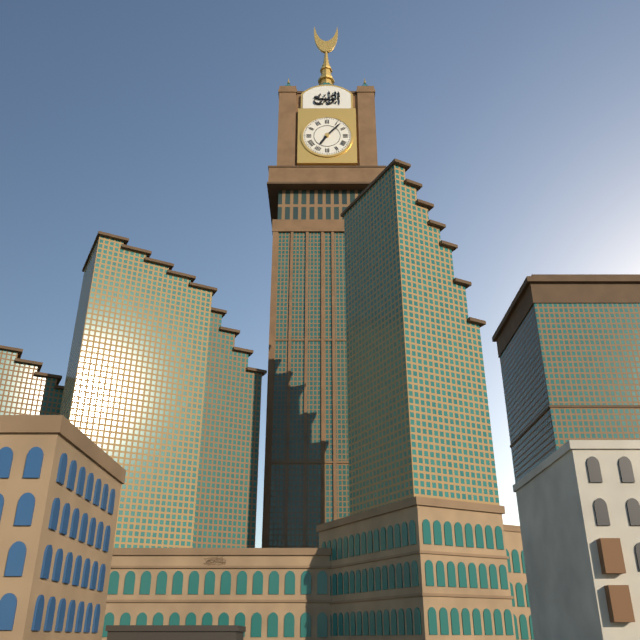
7:07
